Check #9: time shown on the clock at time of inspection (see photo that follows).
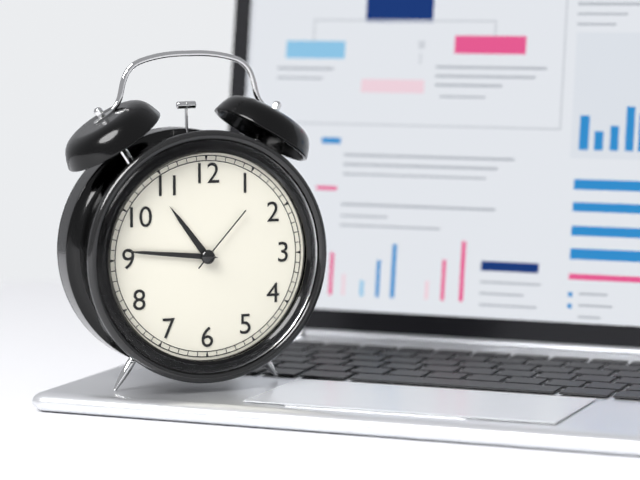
10:46:07
